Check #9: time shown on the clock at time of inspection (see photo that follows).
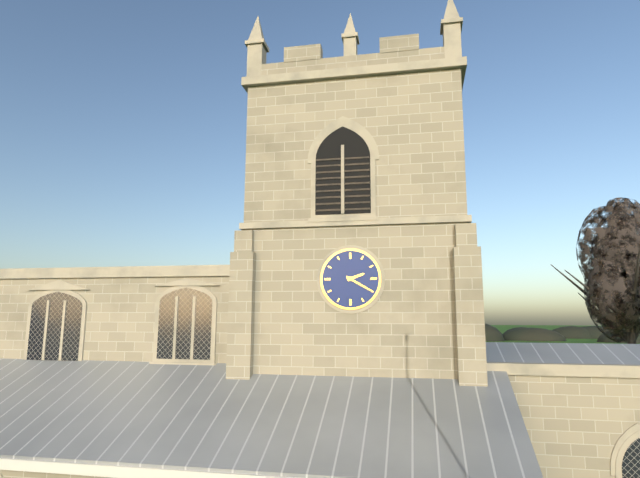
2:20
